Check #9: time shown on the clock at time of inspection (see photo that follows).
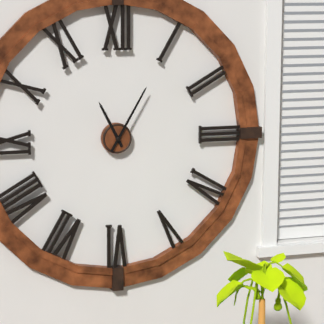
11:05
